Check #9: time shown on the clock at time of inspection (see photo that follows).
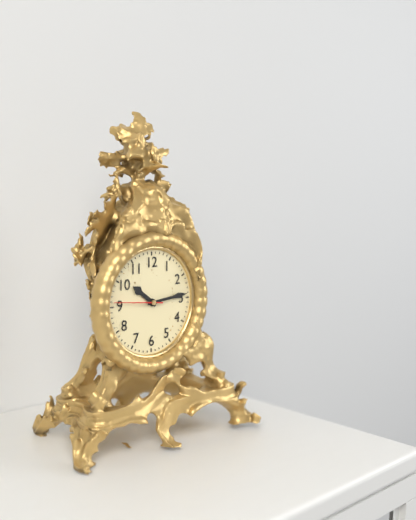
10:14
